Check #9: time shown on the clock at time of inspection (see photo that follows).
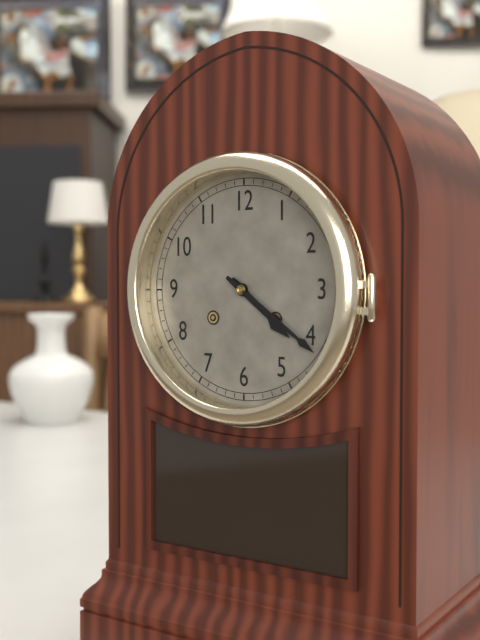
4:21
